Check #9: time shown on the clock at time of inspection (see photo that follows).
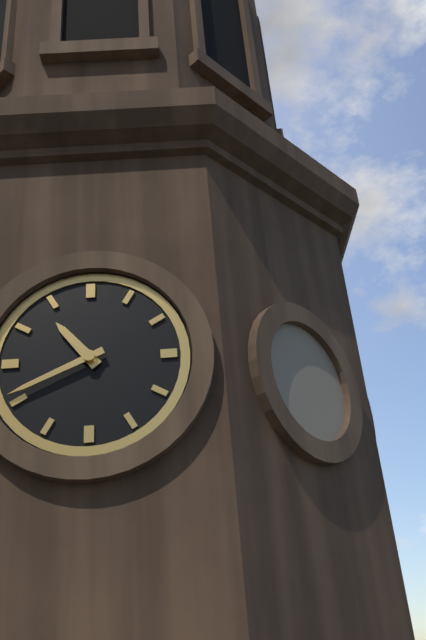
10:41
